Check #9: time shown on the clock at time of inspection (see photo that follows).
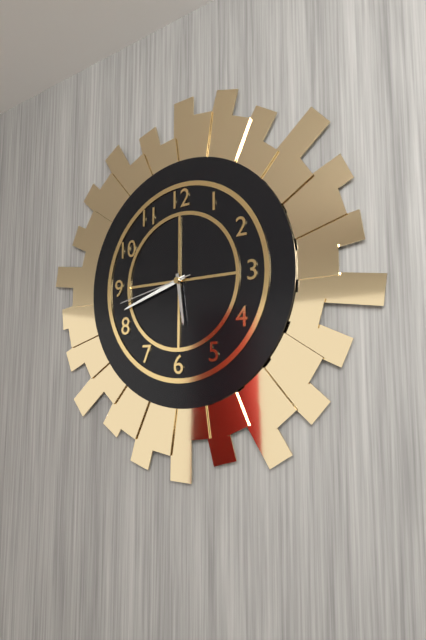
5:42:43
